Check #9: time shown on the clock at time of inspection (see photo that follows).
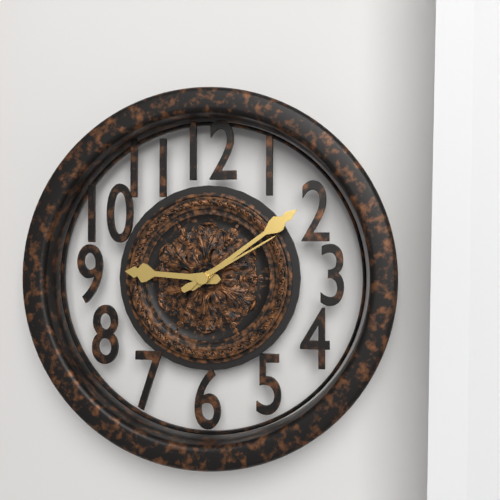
9:09:10
